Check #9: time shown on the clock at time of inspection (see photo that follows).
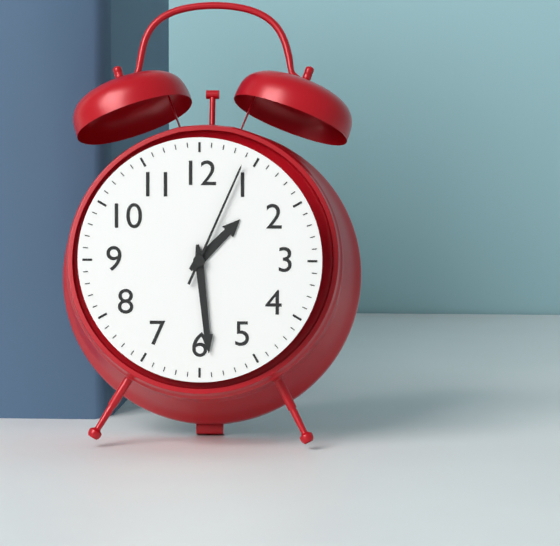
1:29:04
